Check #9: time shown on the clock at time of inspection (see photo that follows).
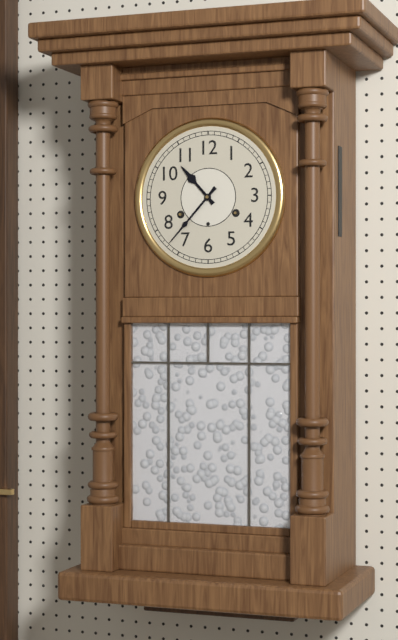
10:37
